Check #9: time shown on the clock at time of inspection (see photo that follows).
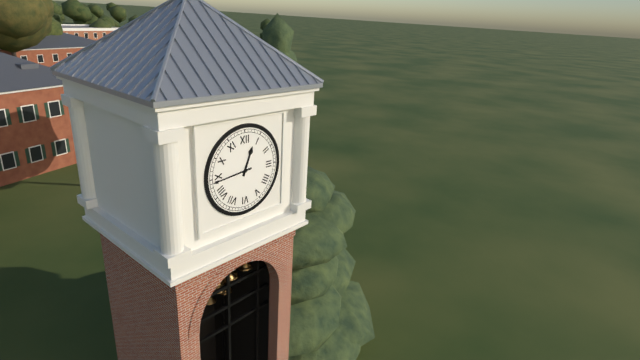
12:44
